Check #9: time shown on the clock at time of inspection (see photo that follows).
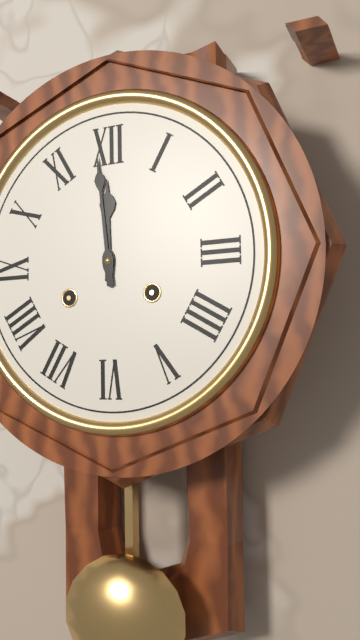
11:59
